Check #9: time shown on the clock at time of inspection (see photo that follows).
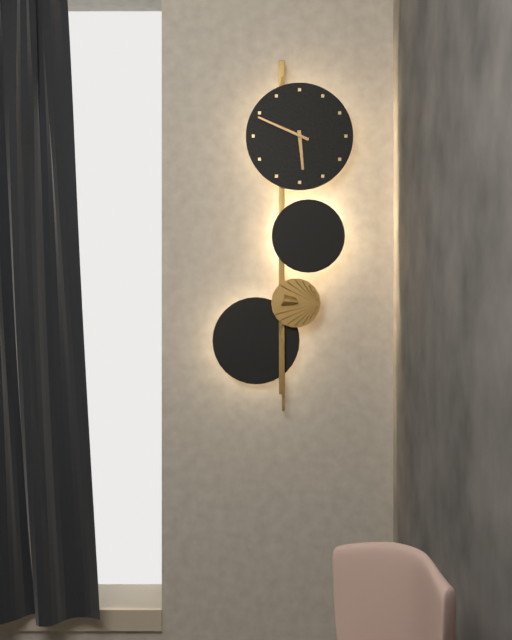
5:49
